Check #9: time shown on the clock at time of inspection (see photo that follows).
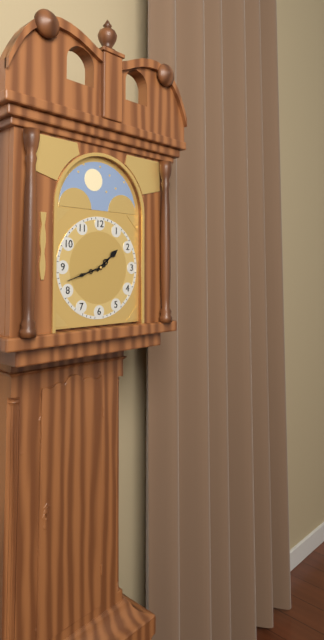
1:42
